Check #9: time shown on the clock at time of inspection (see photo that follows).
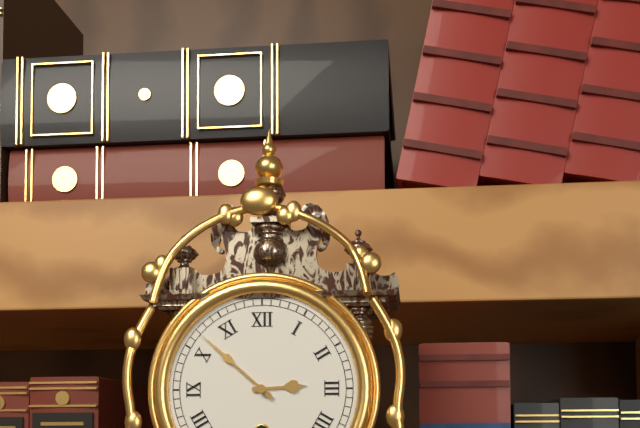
2:52
